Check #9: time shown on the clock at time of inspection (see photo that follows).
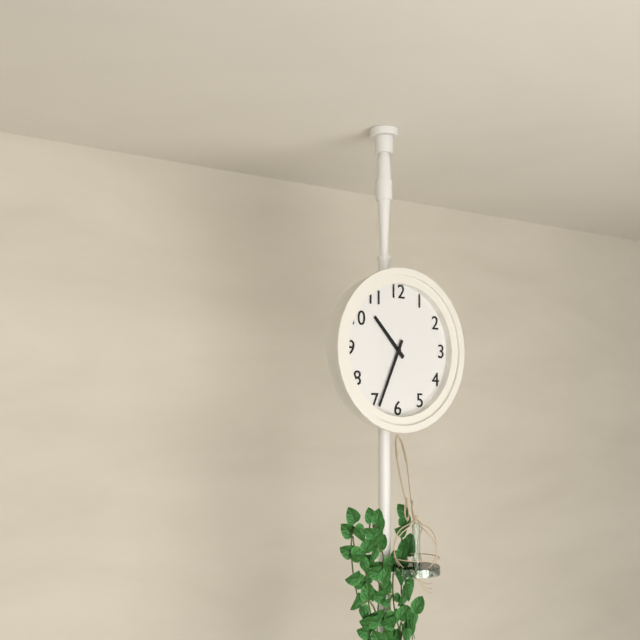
10:34
